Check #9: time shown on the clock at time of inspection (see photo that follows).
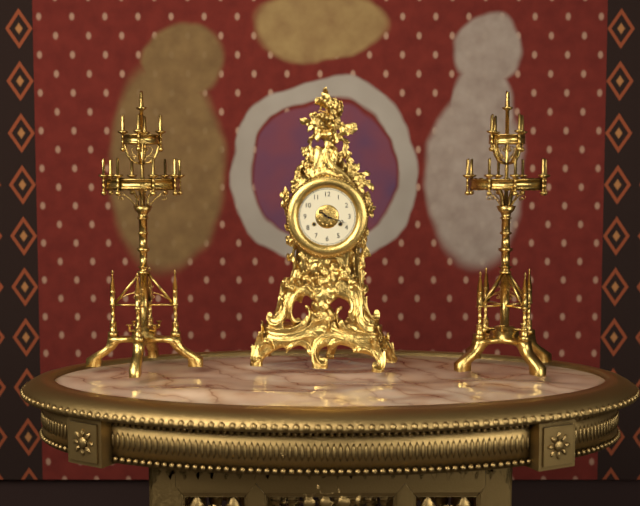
10:18
